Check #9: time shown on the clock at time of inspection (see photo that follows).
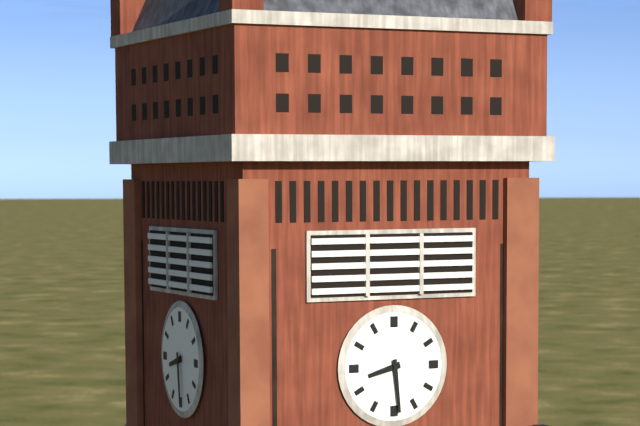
8:29
